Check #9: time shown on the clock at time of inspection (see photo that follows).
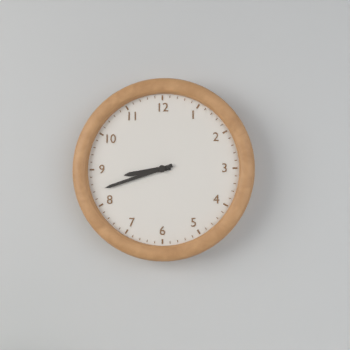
8:42
